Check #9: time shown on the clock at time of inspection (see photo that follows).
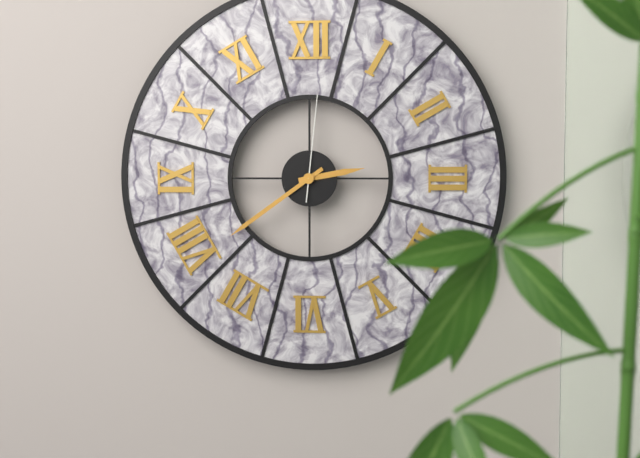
2:39:01
